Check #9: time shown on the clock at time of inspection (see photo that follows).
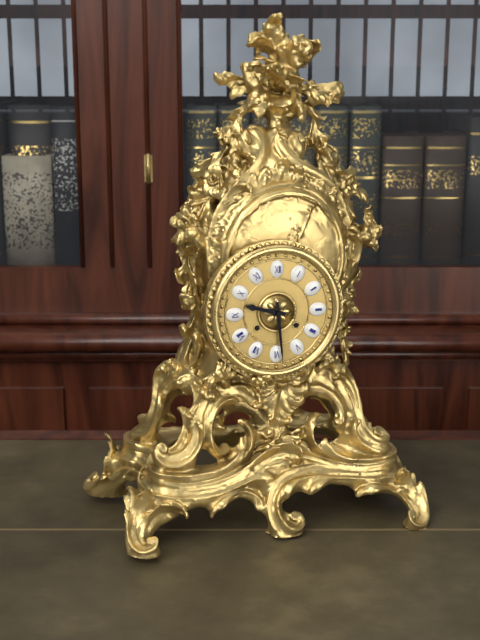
9:29
